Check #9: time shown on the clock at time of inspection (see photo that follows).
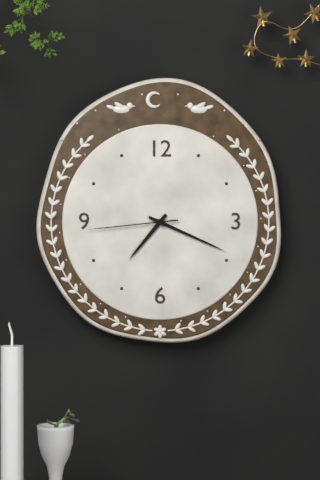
7:19:44
